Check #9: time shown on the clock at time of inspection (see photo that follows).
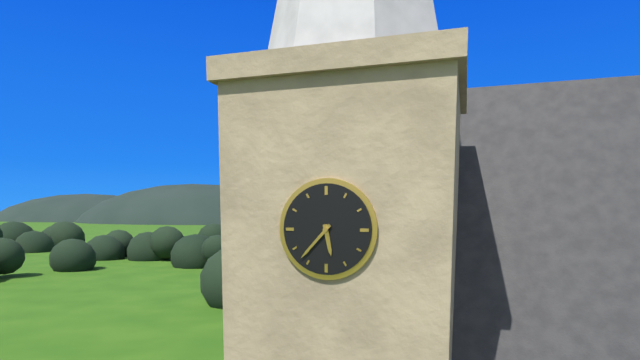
5:37
